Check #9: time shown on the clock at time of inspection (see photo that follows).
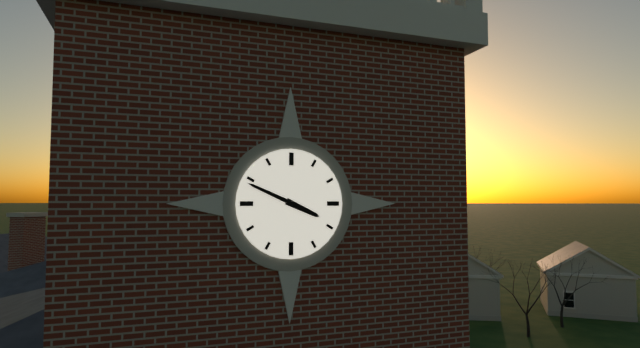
3:49
